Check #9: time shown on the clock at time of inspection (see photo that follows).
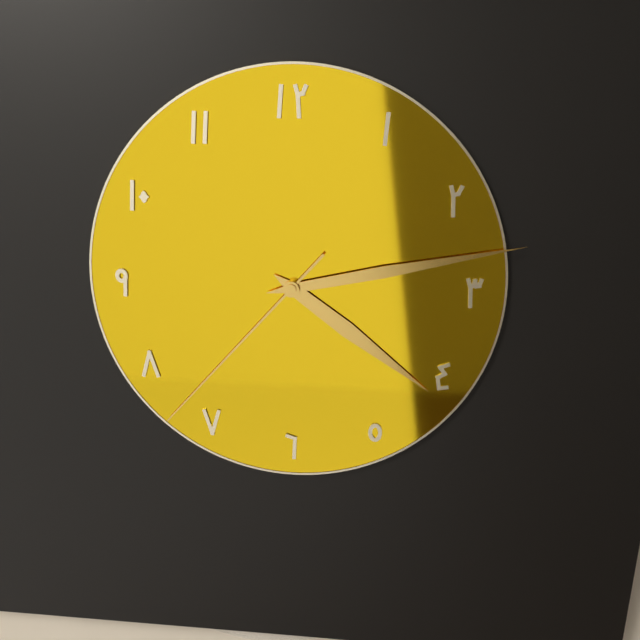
4:13:37
